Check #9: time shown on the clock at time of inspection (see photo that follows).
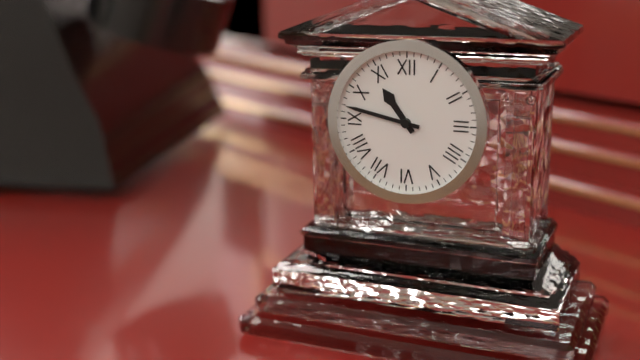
10:47
